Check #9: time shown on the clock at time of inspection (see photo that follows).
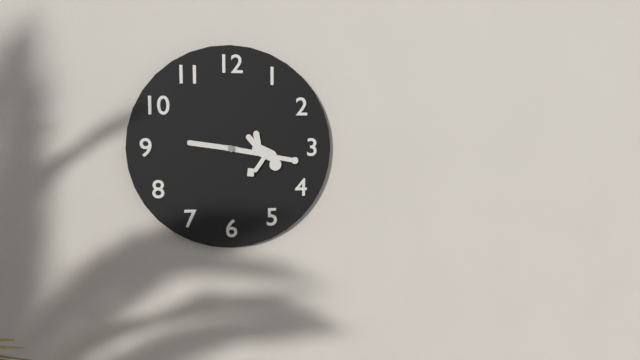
9:16
